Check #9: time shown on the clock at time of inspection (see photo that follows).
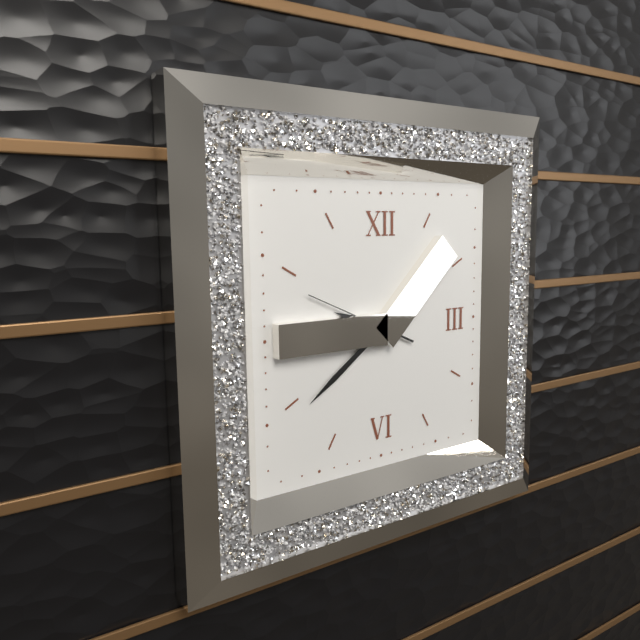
9:39:49
